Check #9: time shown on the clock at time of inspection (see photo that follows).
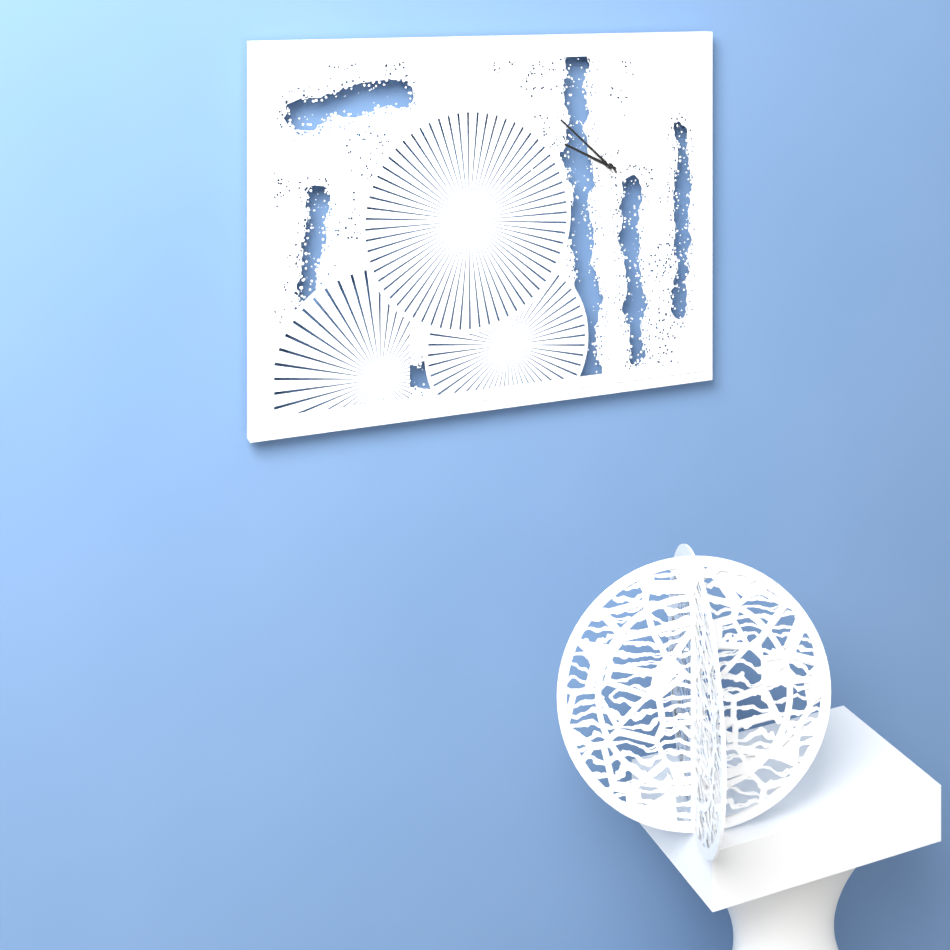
9:52:54
